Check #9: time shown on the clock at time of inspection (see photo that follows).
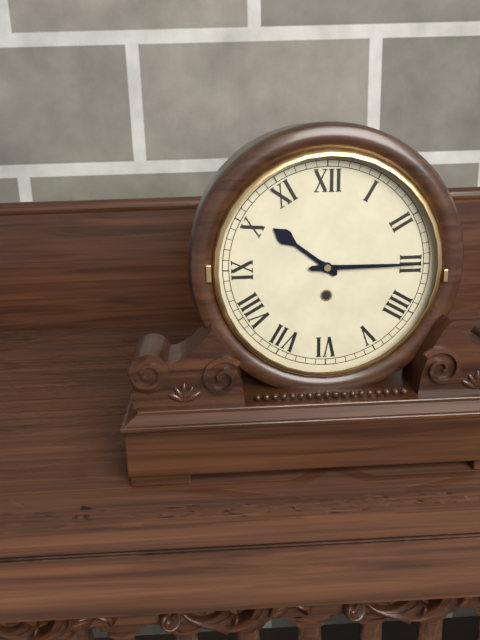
10:15
